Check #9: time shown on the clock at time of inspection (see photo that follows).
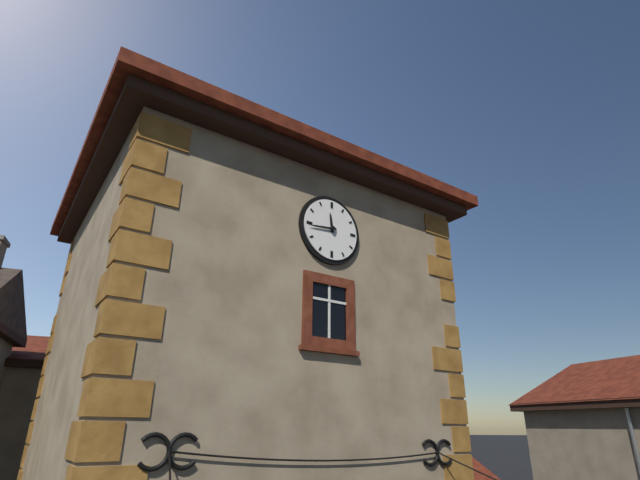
11:44
